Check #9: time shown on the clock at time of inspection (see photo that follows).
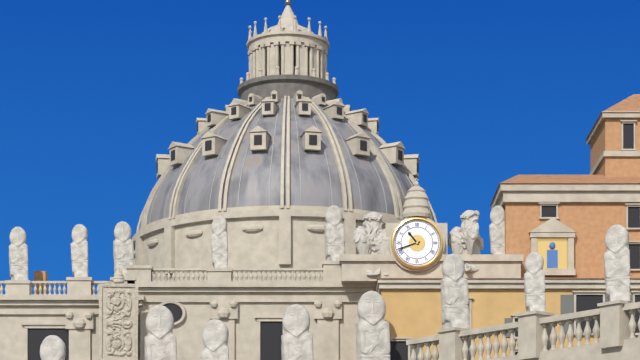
10:42
